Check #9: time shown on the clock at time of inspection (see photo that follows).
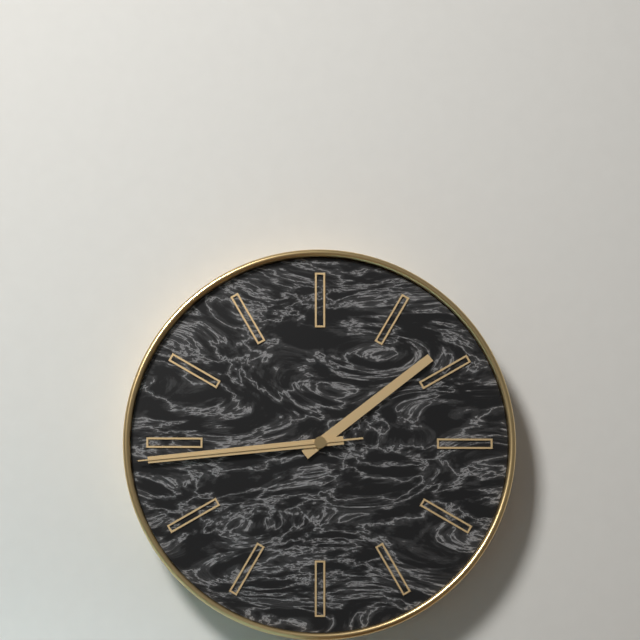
1:44:44
